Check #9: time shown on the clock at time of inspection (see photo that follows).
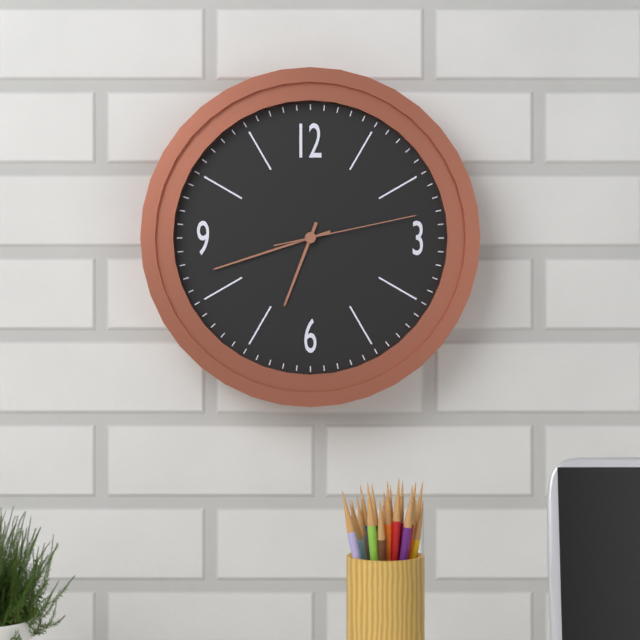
6:42:13
